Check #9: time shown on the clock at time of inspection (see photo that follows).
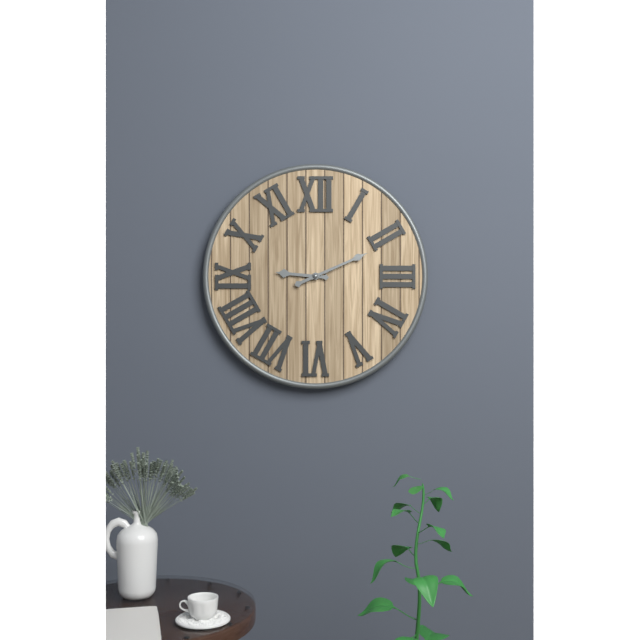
9:11
